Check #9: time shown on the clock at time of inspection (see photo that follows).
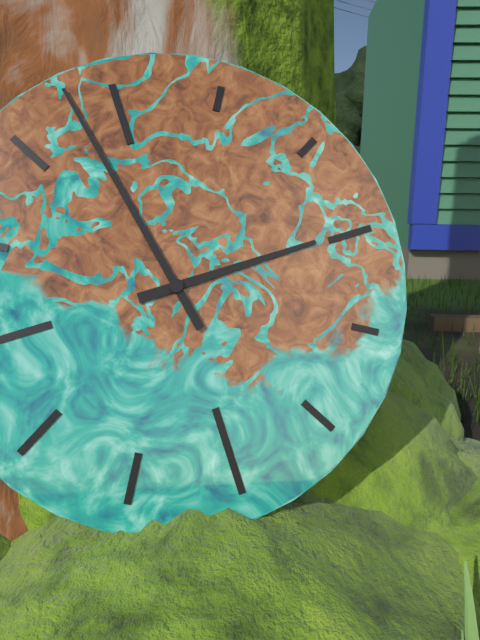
2:58
